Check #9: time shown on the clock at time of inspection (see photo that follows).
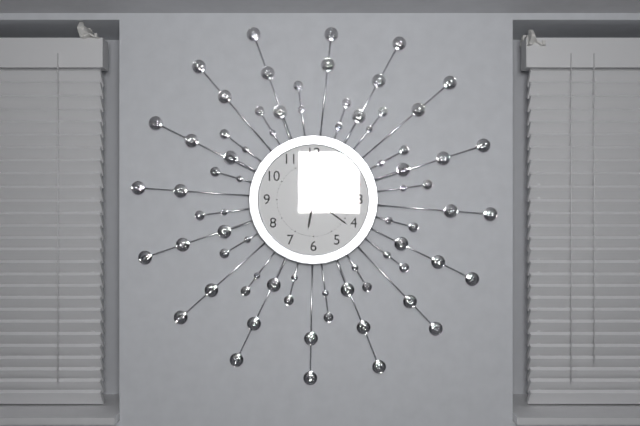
6:21:12
